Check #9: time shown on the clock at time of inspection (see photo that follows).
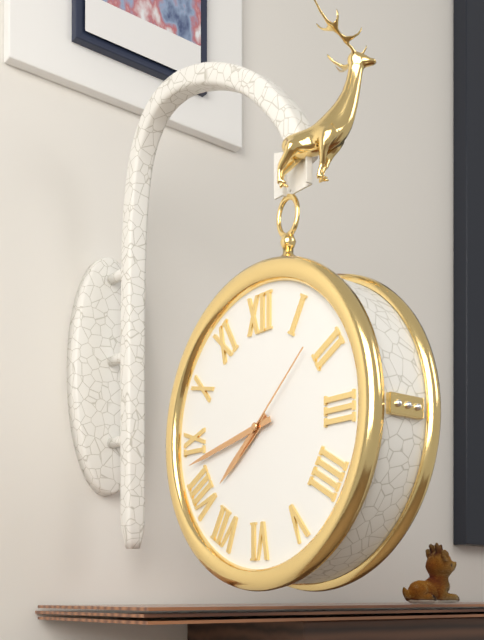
7:43:08
